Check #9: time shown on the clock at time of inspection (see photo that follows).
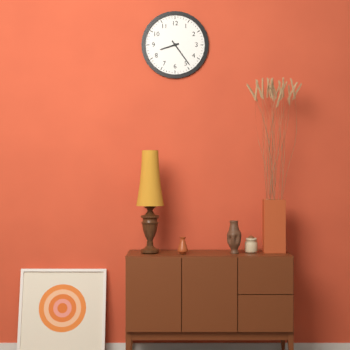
8:24
